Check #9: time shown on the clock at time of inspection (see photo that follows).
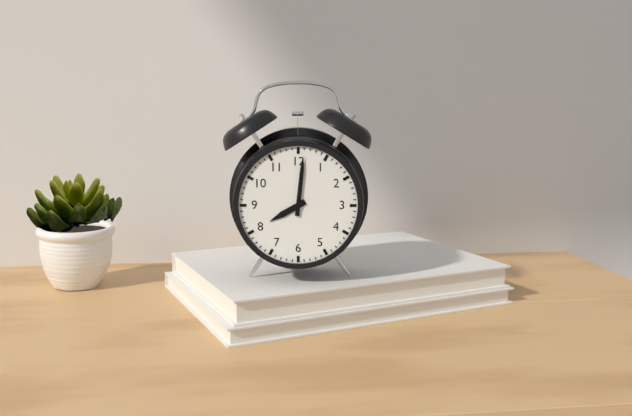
8:01
